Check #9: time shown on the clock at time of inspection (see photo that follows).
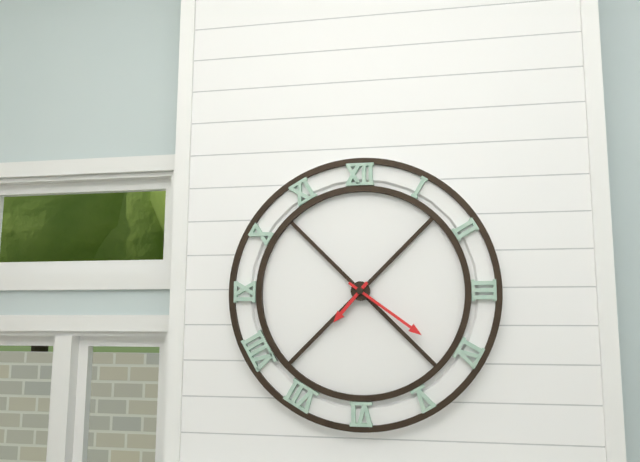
7:21
